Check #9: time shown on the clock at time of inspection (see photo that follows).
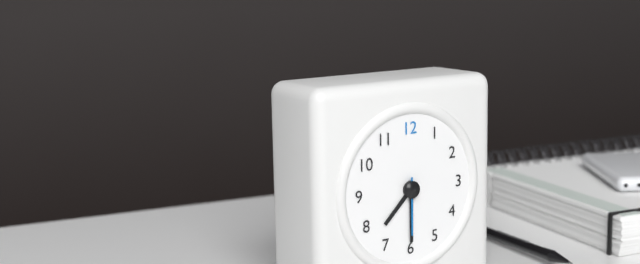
7:30:30
